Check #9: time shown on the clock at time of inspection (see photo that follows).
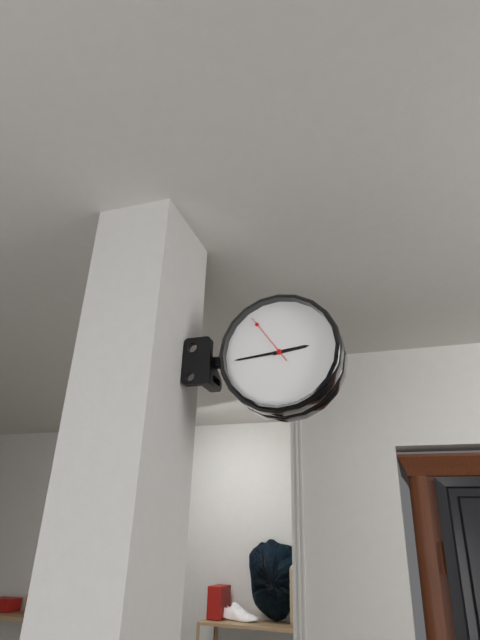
2:44:54
